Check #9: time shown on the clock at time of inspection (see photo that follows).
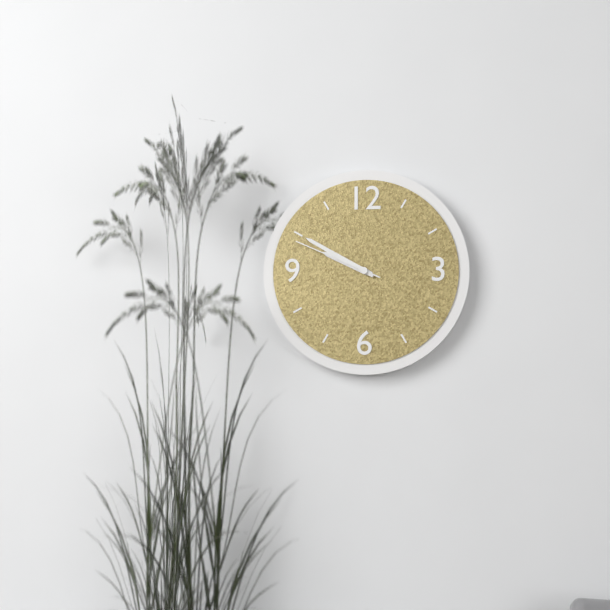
9:50:49
